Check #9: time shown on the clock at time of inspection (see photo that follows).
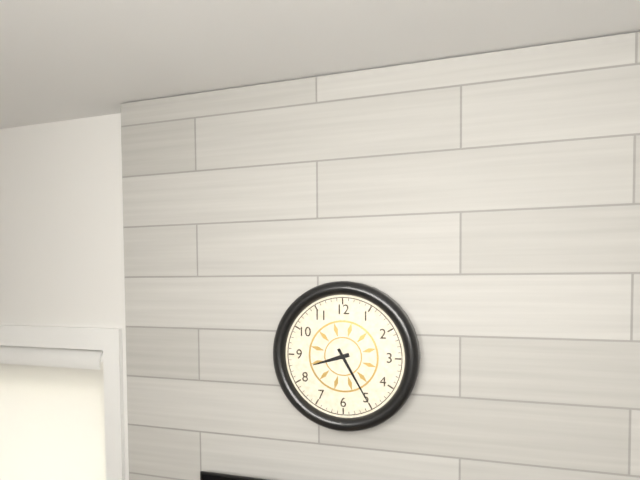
8:25
